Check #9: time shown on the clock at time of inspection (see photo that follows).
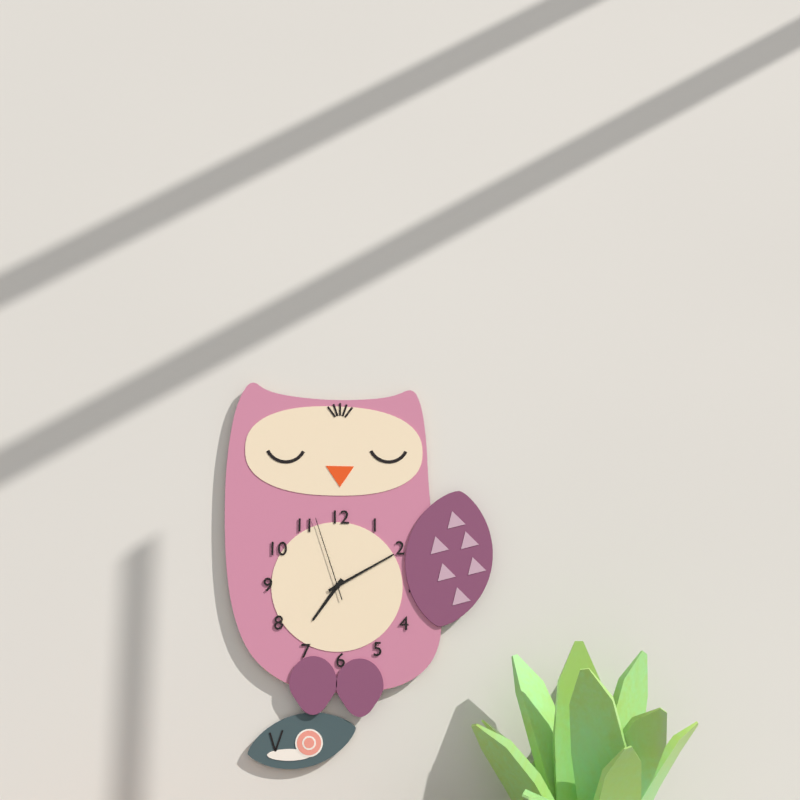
7:10:57
